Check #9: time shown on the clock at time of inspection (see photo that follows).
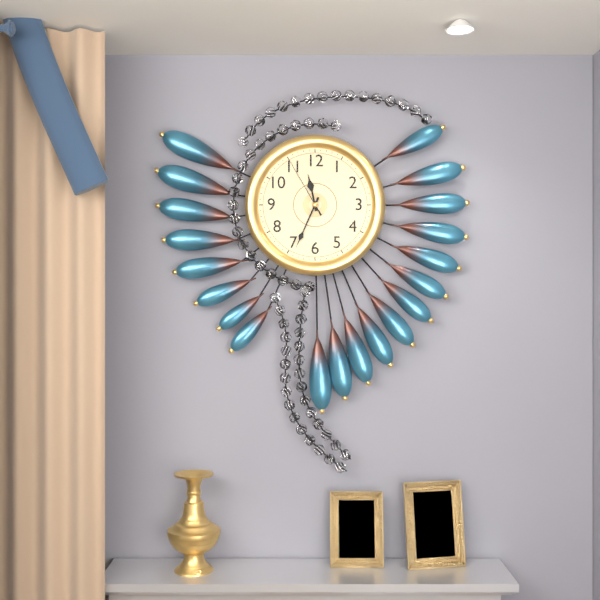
11:34:55
